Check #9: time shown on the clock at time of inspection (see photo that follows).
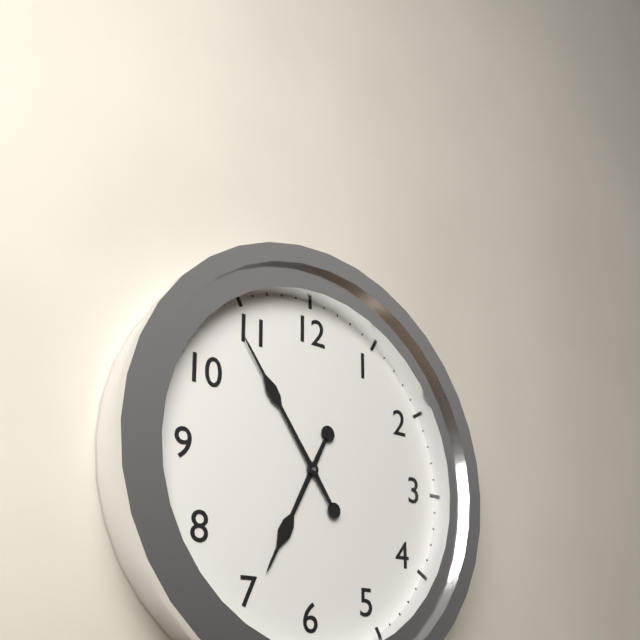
6:54
